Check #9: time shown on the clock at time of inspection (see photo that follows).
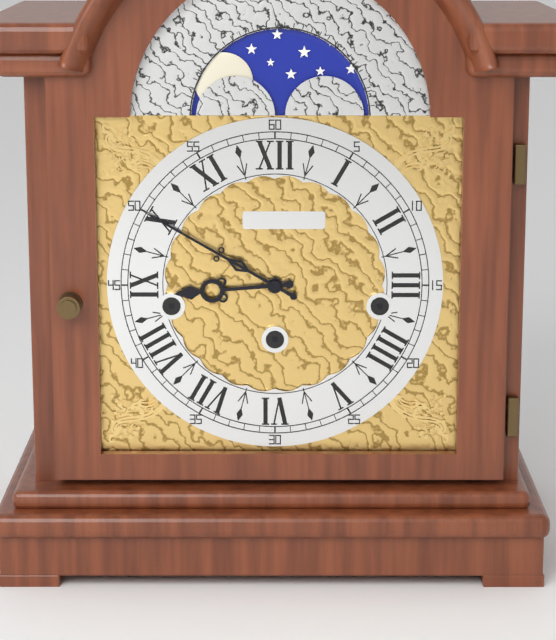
8:50
